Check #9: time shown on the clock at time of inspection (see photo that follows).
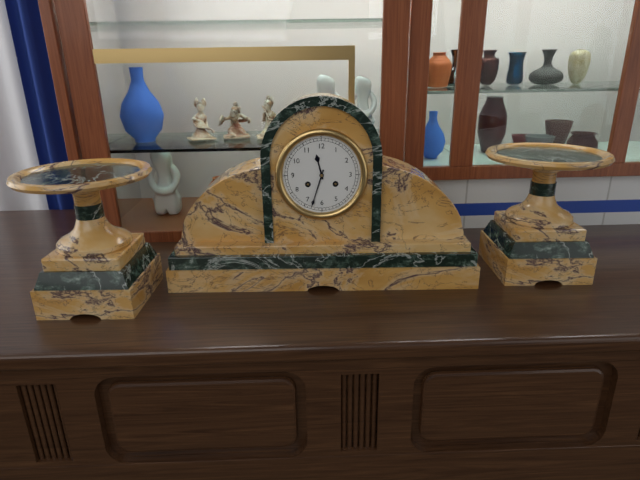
11:33
